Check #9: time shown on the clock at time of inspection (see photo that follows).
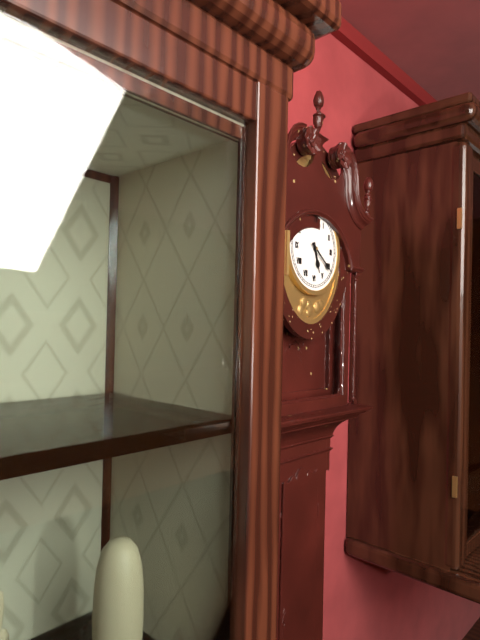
5:21
